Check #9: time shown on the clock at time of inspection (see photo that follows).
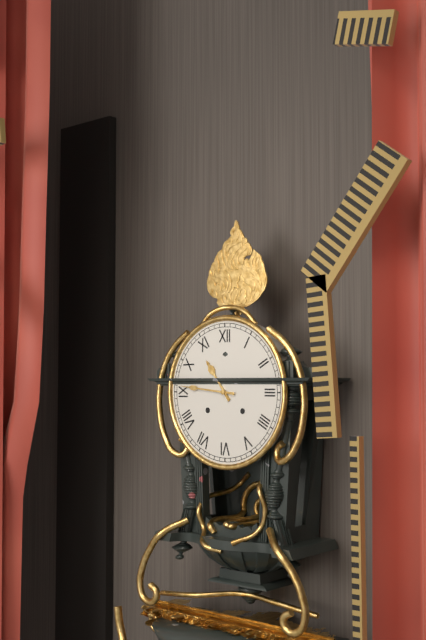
10:46
